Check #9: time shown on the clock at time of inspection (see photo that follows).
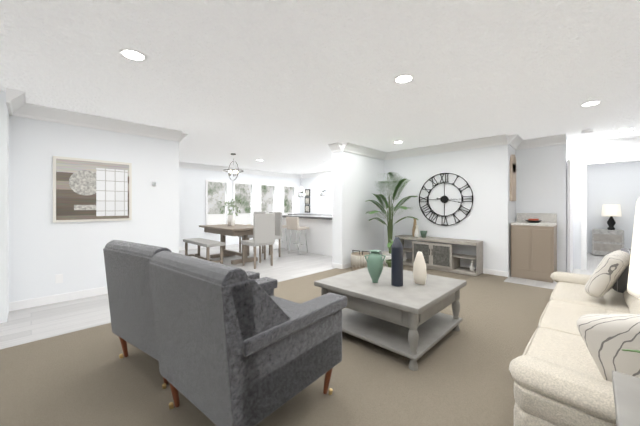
9:17
